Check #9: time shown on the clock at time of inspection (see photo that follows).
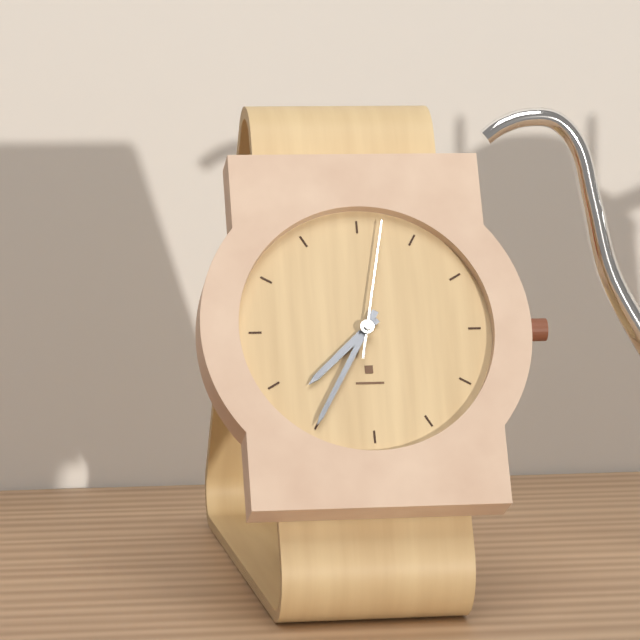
7:35:02
